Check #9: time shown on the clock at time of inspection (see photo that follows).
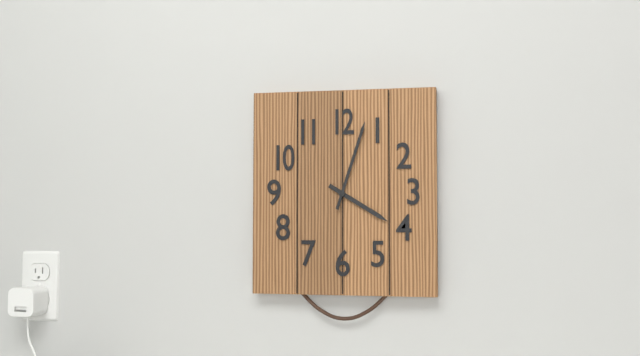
4:03
